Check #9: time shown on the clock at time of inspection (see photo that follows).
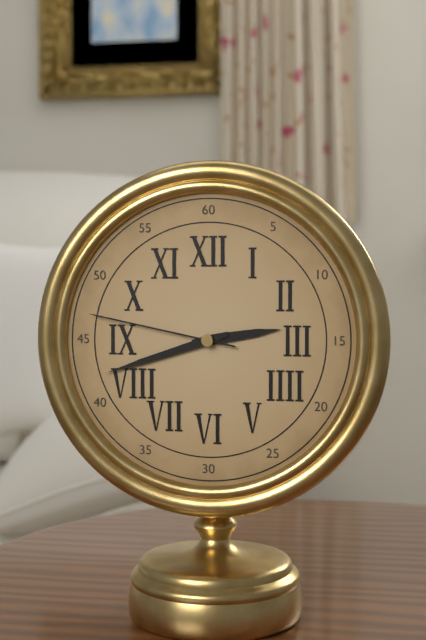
2:42:47
